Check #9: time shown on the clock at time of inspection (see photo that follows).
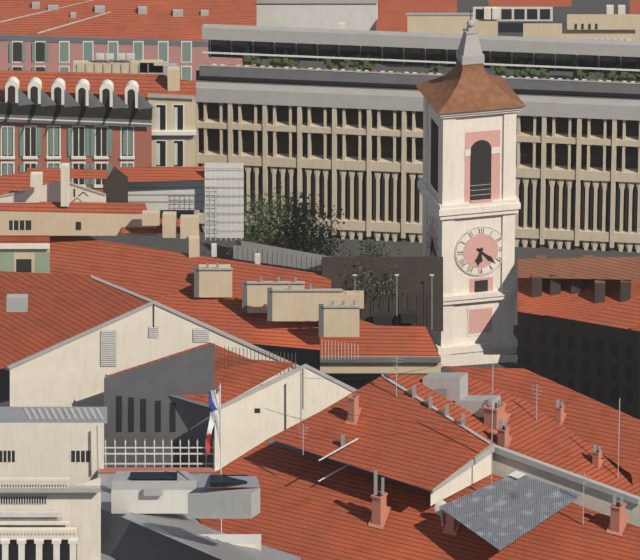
6:22
